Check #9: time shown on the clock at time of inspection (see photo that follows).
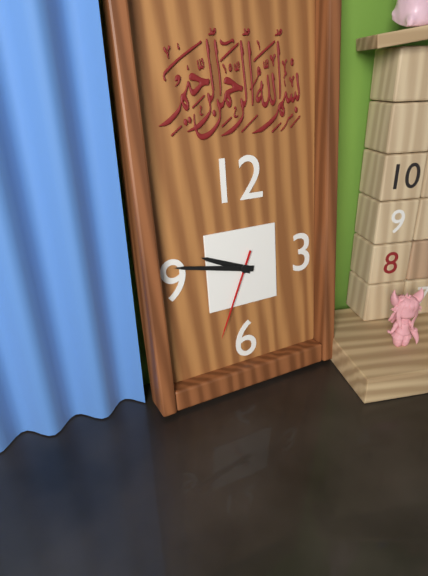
9:47:34
